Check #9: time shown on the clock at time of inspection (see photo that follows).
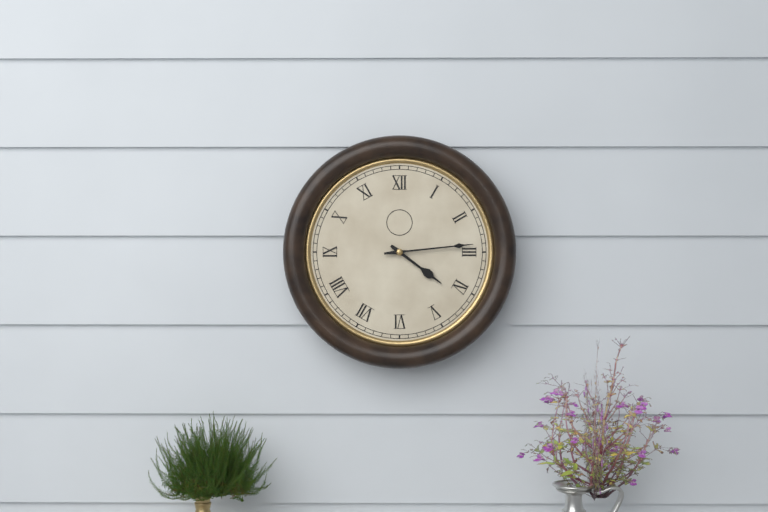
4:14
